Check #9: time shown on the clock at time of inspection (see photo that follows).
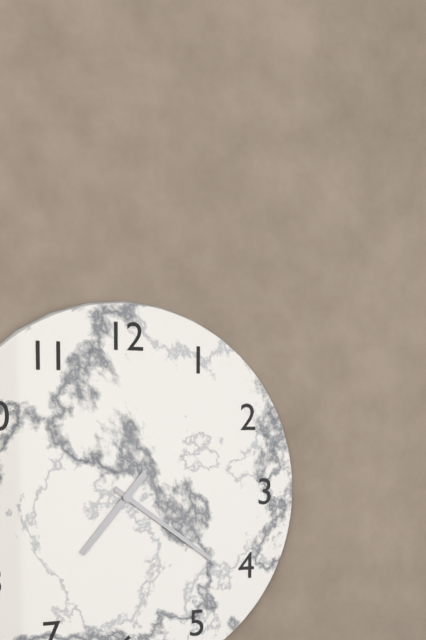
7:21
